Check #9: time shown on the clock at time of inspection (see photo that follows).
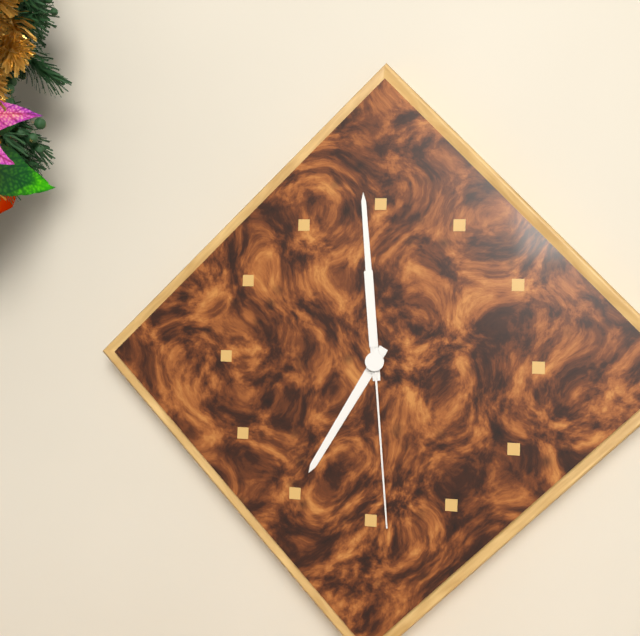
6:59:29
